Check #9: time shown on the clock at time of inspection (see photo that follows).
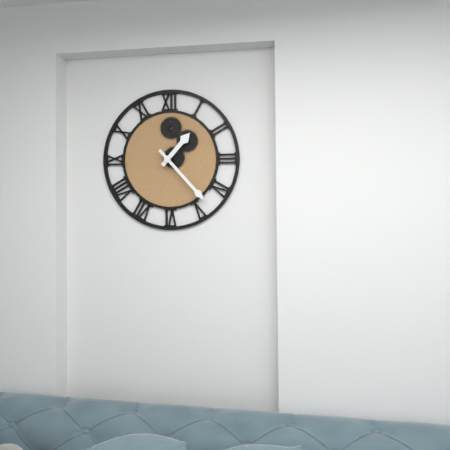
1:23
